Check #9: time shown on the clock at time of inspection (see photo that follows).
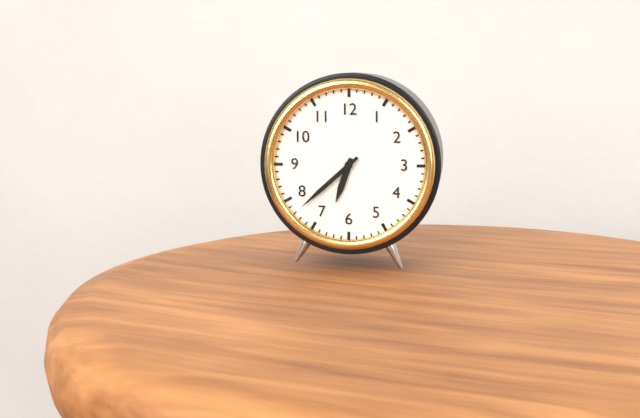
6:38
